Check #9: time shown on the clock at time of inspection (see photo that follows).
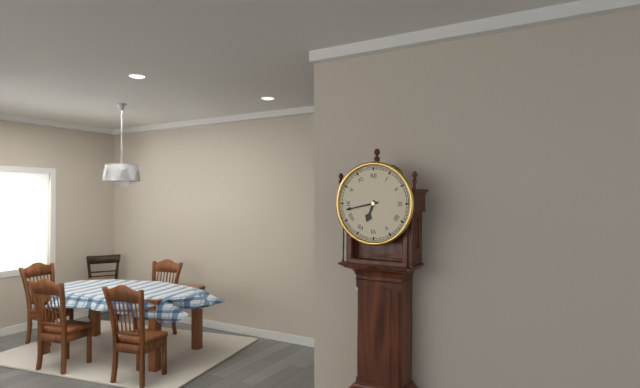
6:43
